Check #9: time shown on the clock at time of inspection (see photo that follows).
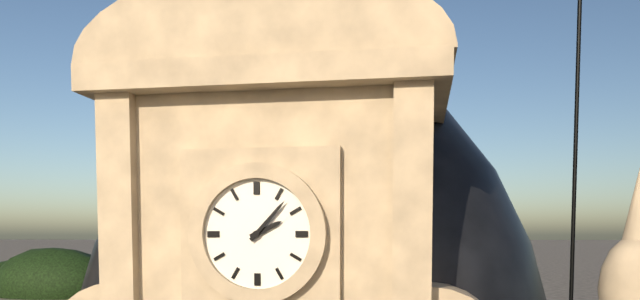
2:07
